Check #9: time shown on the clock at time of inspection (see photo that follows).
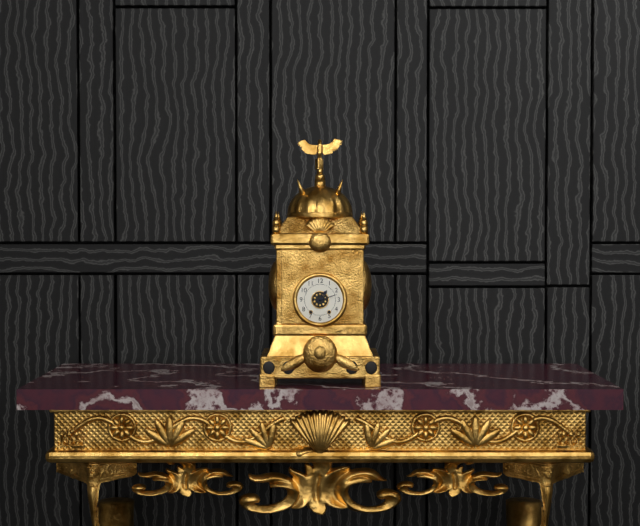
1:12
